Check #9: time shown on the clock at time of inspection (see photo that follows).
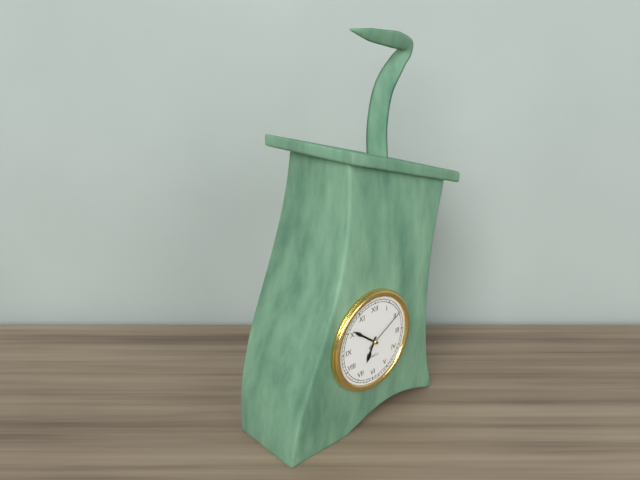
6:51
